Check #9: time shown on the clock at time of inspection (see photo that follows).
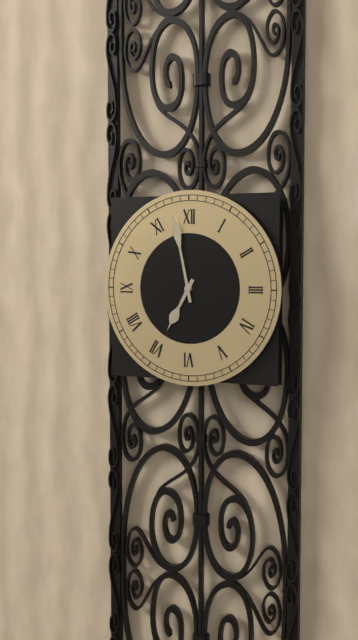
6:58
